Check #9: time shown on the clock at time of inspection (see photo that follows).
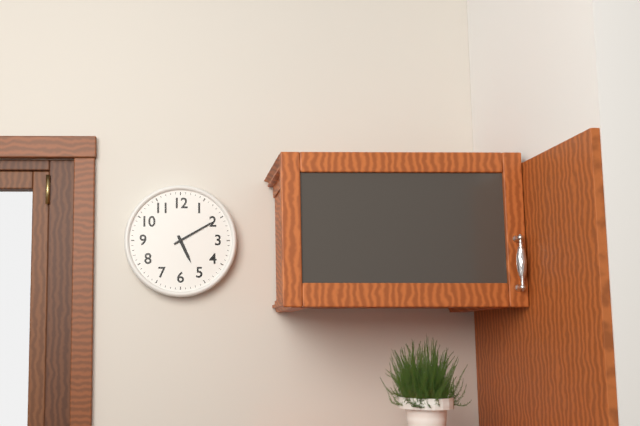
5:10
